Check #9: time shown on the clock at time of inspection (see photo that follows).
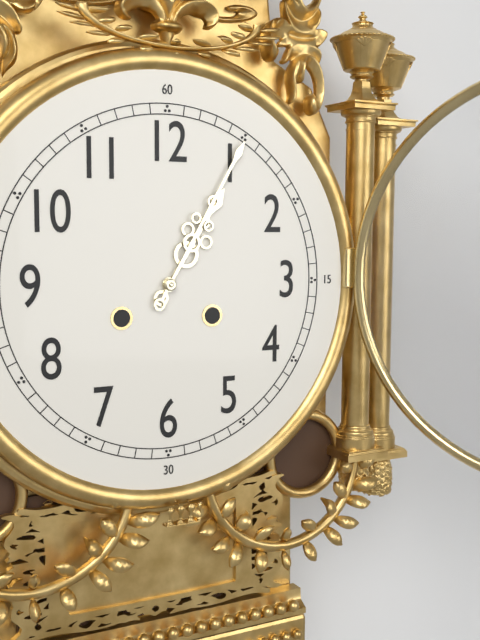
1:05
